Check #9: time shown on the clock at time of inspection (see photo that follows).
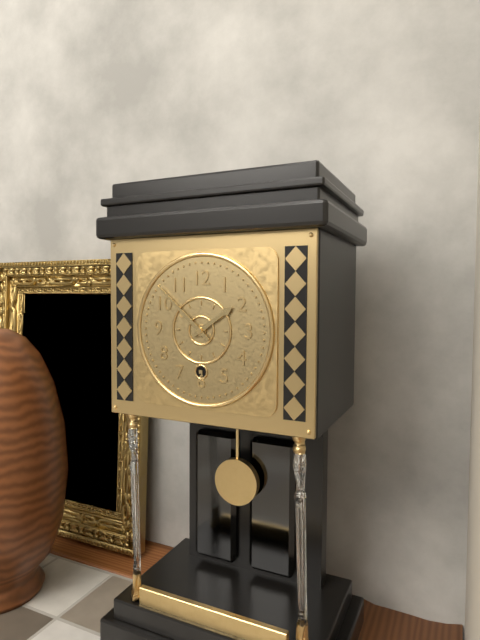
1:52
